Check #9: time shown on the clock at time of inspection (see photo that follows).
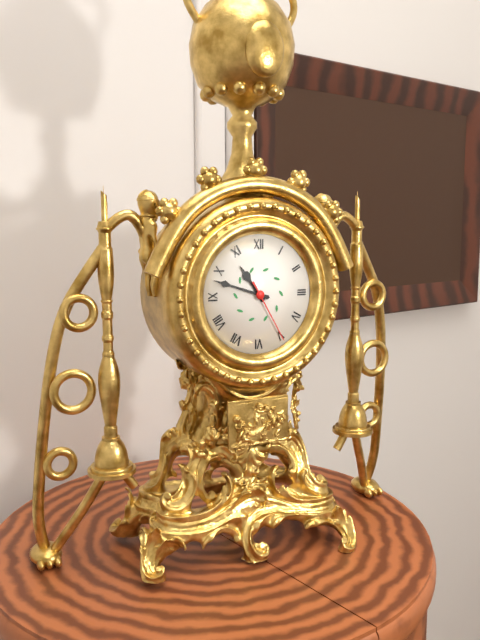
10:48:25
